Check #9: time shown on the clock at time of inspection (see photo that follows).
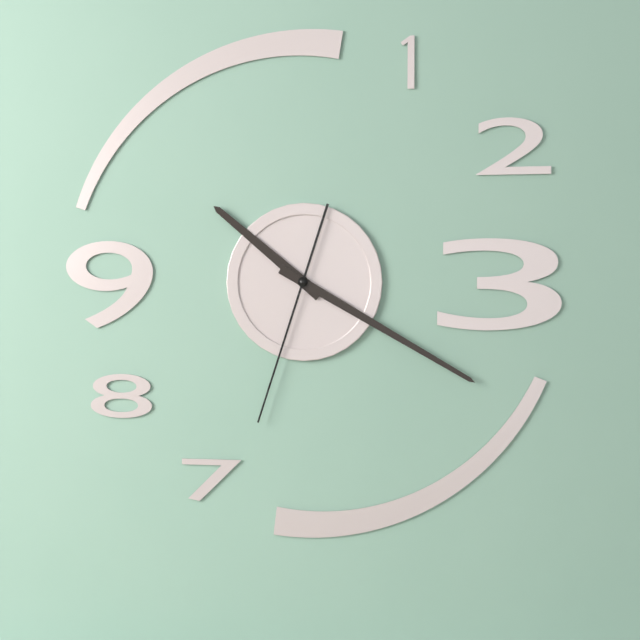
10:20:33
